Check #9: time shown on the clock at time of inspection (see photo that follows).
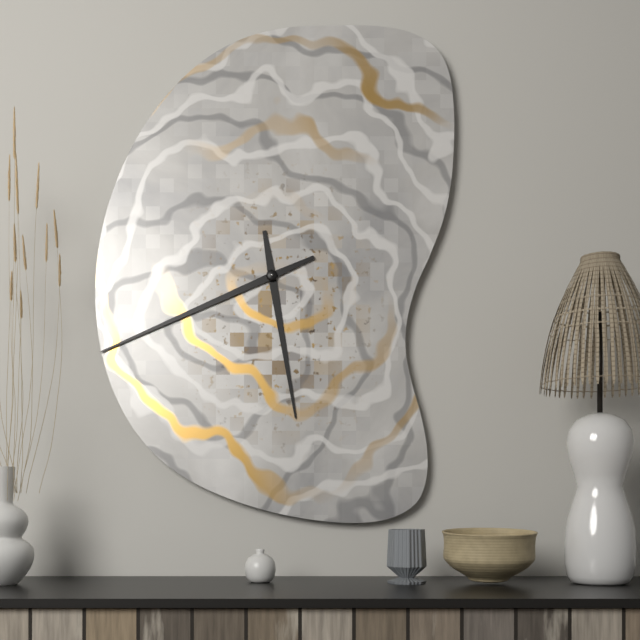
5:41
